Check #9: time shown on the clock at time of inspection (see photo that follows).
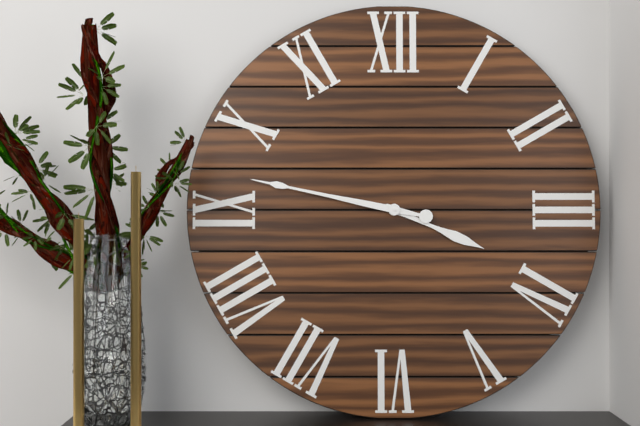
3:47
